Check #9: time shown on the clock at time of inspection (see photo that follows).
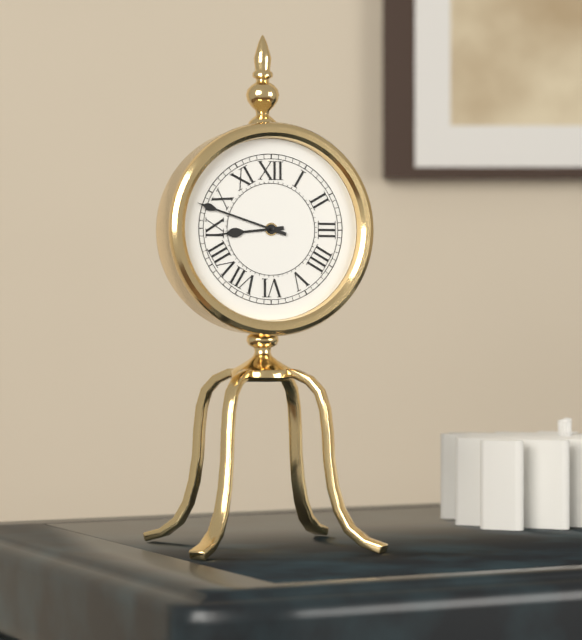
8:48
